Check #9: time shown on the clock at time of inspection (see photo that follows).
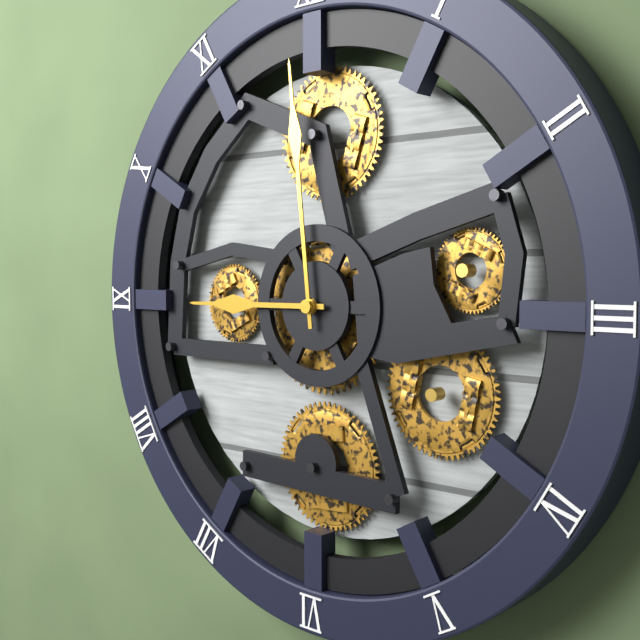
8:59
